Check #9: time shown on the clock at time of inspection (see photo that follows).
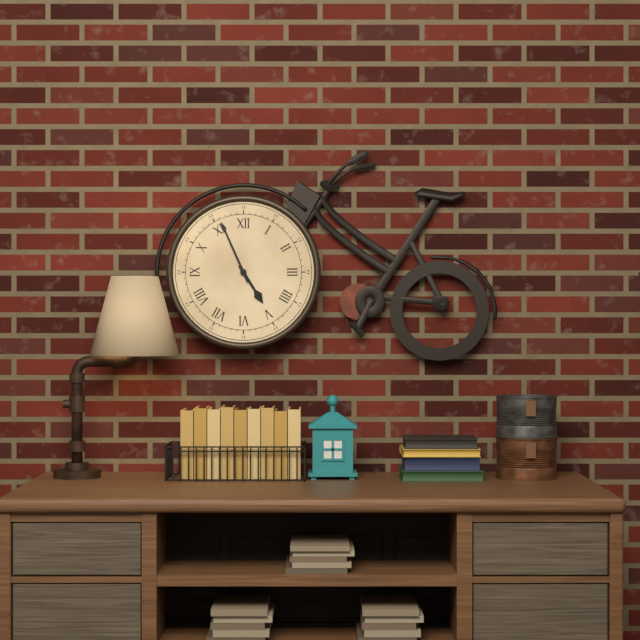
4:56
